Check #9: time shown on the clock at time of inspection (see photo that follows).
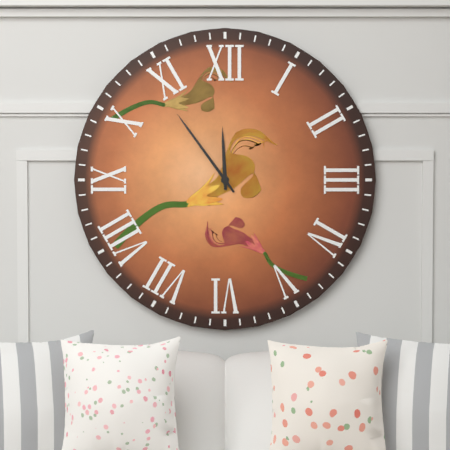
11:54
